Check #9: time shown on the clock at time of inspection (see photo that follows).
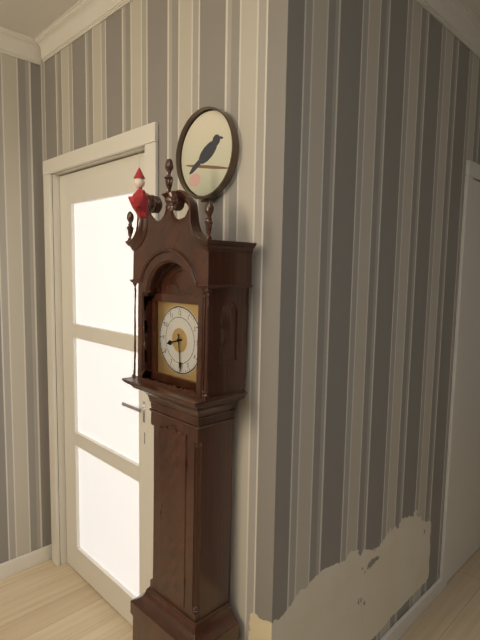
8:29
